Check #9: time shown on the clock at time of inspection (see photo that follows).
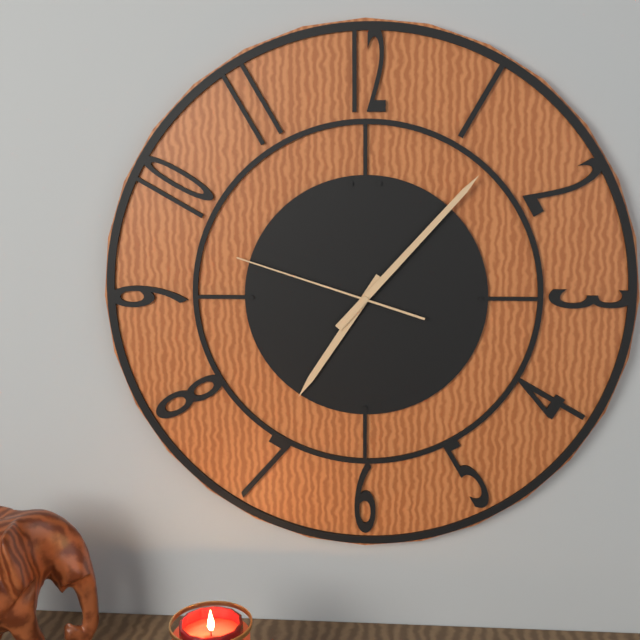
7:07:48
